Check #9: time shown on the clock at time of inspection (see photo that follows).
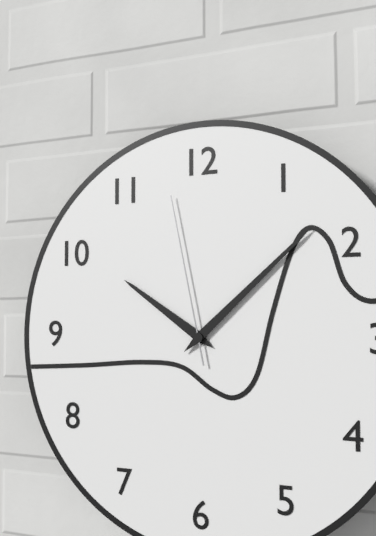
10:08:58
